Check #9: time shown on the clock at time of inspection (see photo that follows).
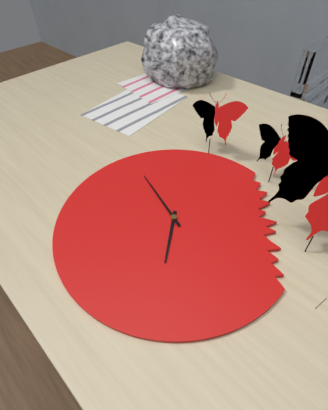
4:48
